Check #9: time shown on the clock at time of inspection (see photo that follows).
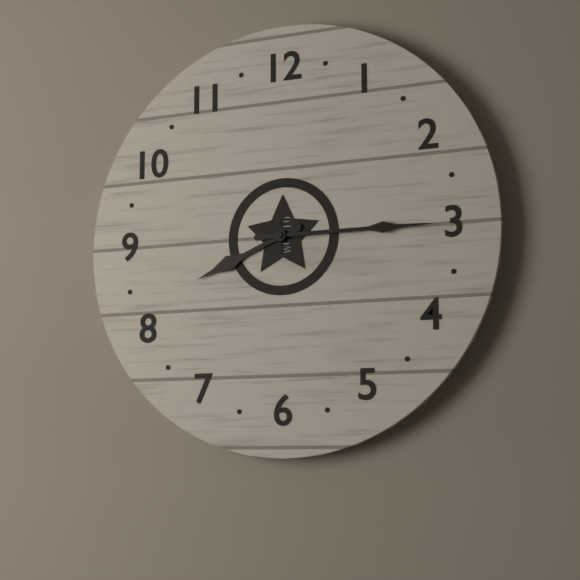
8:15
